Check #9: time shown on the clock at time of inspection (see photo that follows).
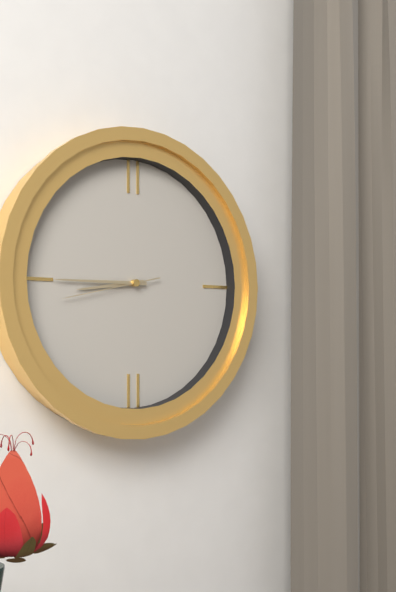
8:45:43
